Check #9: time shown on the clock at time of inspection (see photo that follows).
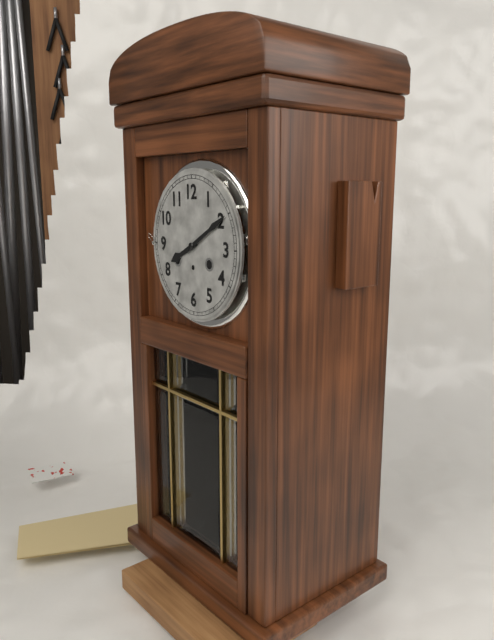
8:10
